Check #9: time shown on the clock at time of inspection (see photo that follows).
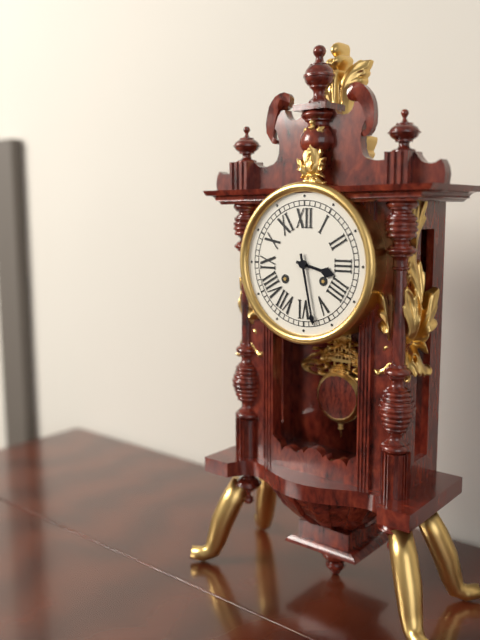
3:28
